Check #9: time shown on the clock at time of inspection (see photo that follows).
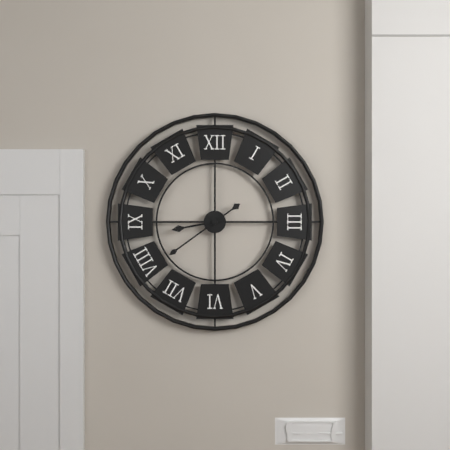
8:39
